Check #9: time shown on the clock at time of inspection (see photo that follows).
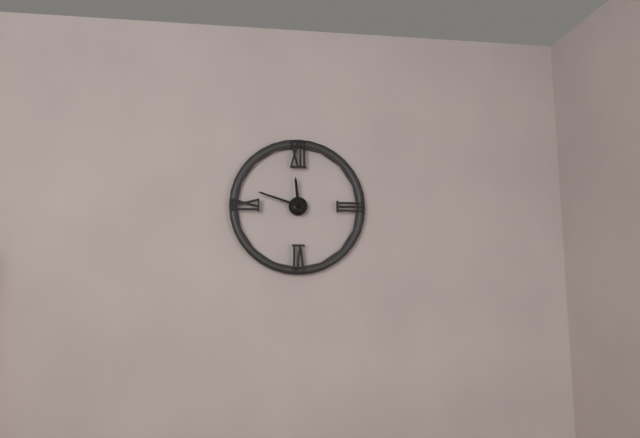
11:48
